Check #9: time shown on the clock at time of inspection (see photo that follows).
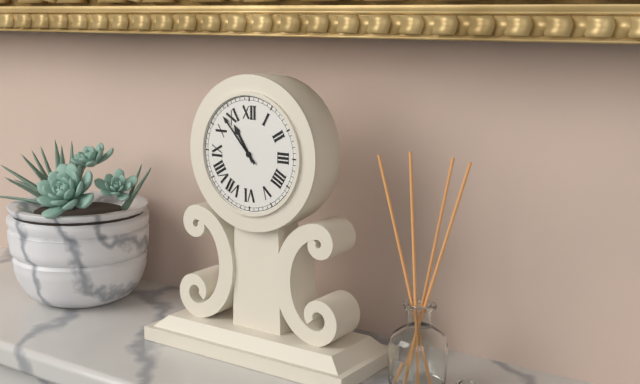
10:53
